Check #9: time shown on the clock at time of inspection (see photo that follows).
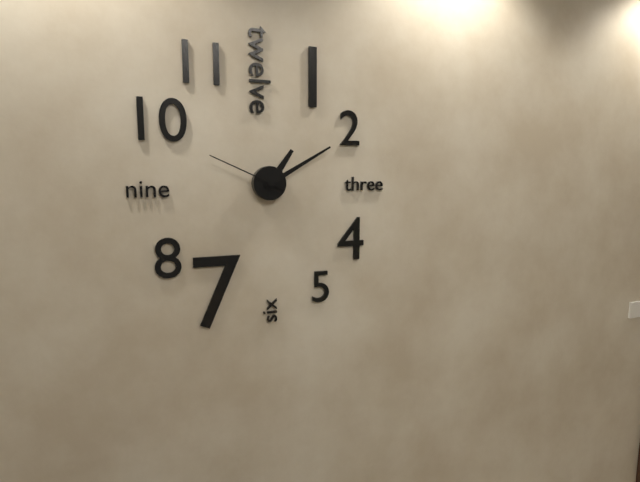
1:10:49
